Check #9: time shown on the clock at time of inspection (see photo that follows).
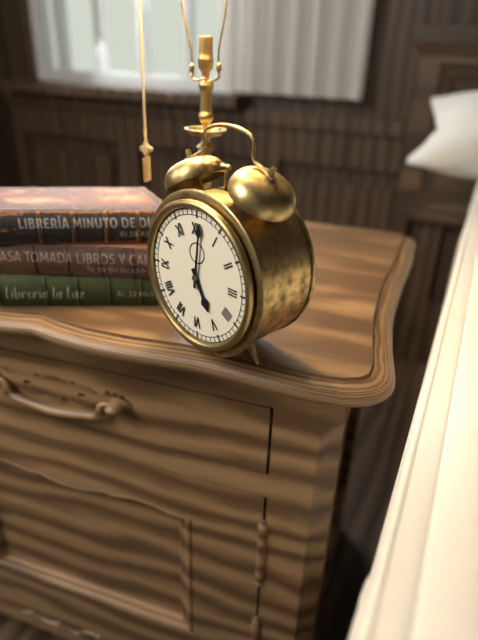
5:01
